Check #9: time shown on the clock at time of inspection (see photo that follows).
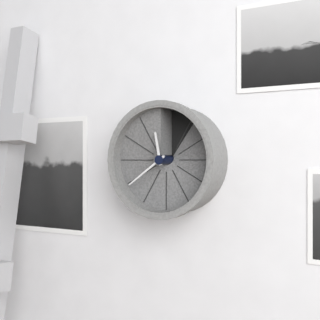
11:39
